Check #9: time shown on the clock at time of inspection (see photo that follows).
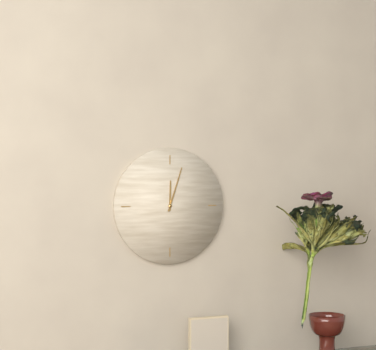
12:03
